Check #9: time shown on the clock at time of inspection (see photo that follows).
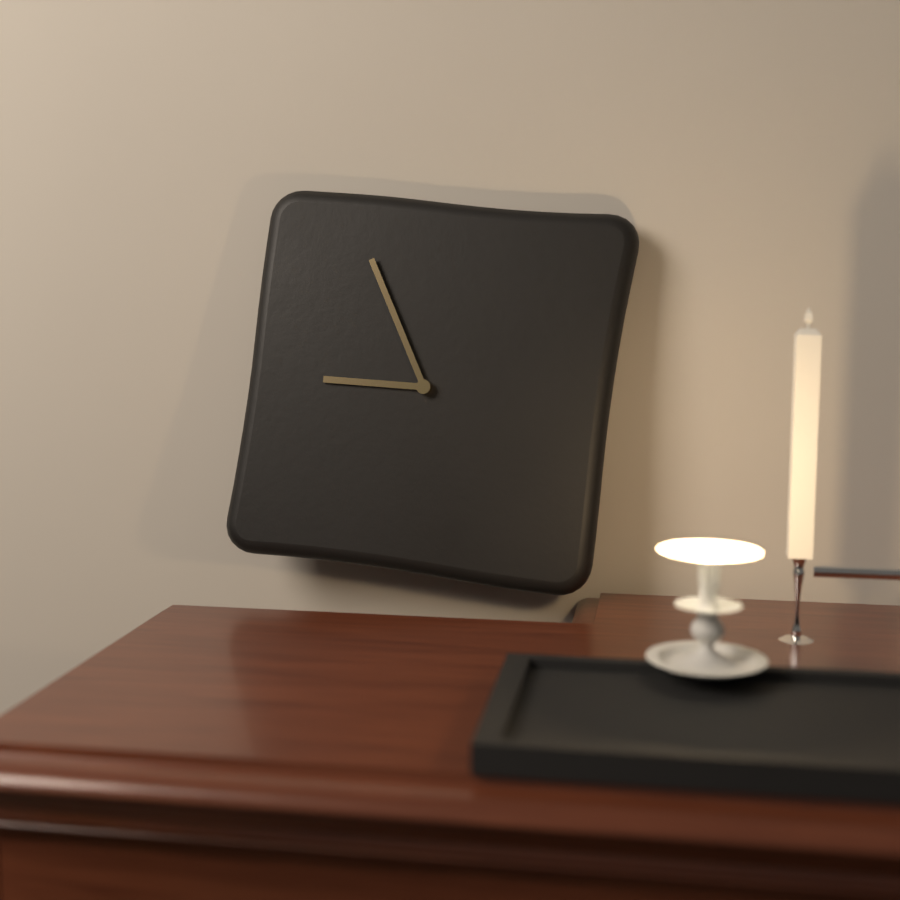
8:55
